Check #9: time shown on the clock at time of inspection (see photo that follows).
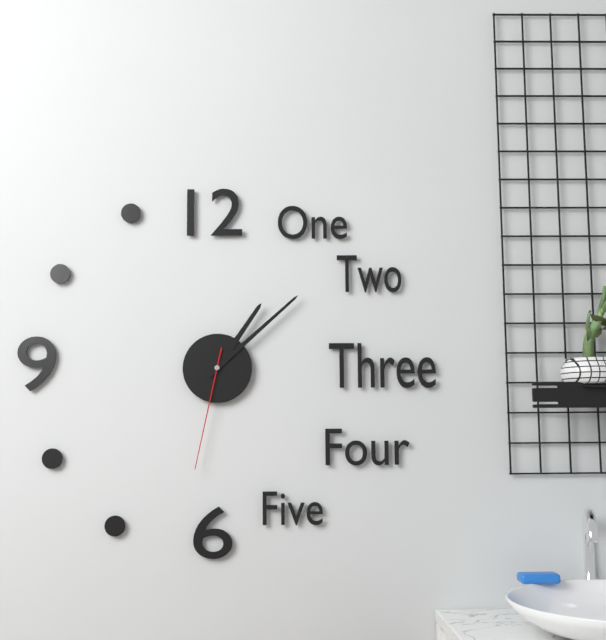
1:08:32
